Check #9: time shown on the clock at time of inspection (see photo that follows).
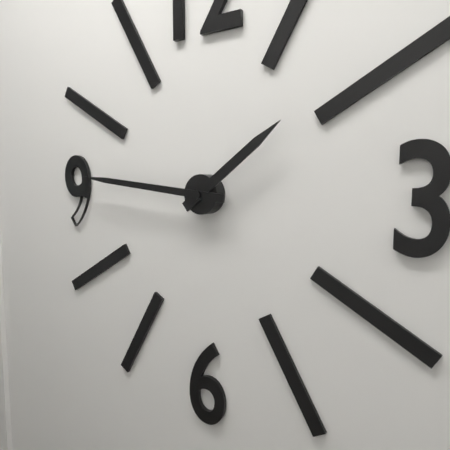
1:46
